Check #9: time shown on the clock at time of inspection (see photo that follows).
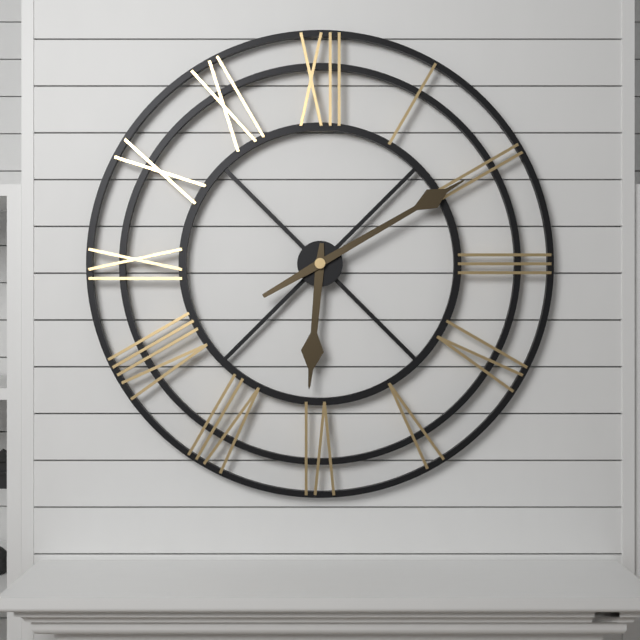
6:10
